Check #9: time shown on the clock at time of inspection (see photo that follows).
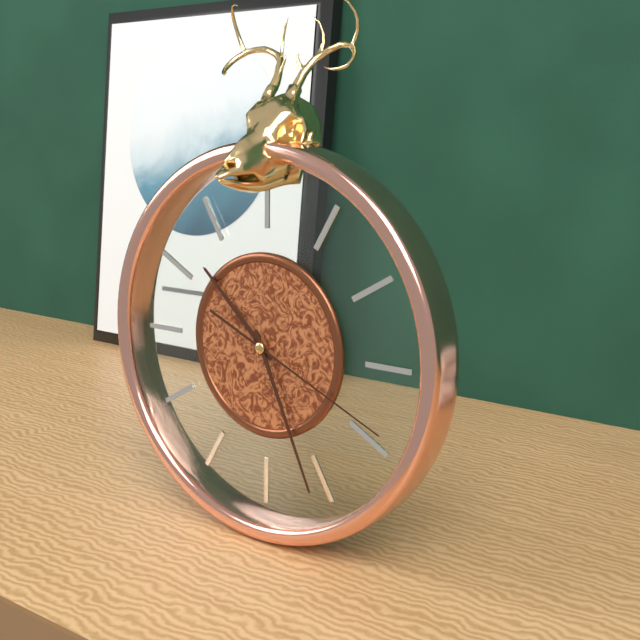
10:26:19
